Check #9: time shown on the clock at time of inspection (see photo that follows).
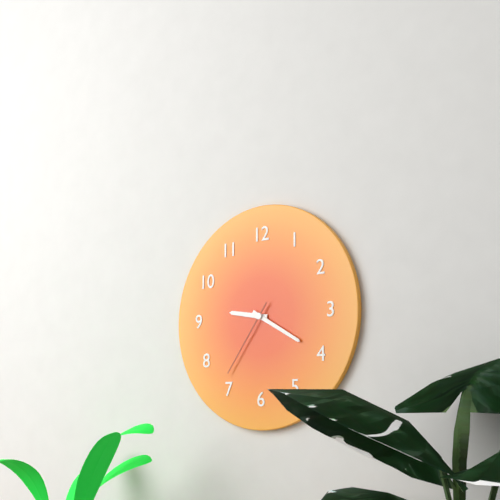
9:20:36
